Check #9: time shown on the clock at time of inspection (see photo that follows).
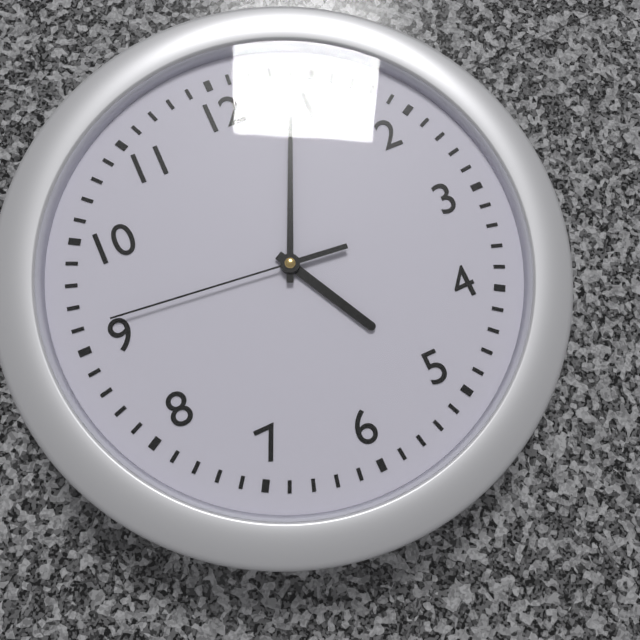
5:04:46
